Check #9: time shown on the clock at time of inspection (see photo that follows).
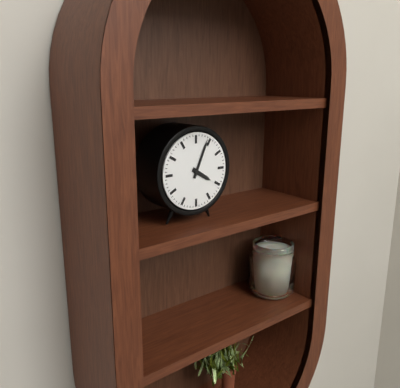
4:04
